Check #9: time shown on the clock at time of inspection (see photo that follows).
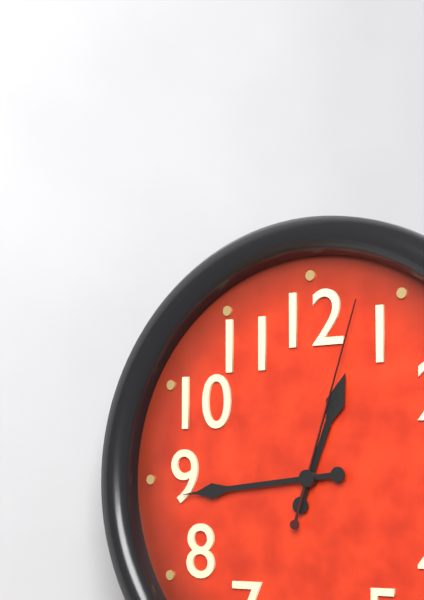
12:44:03
